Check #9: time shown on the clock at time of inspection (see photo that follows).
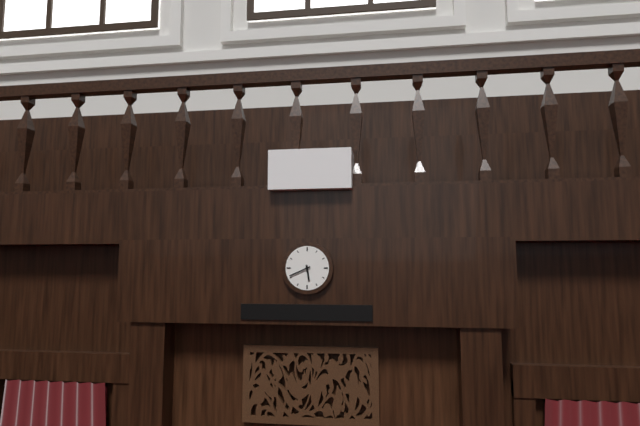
5:41
